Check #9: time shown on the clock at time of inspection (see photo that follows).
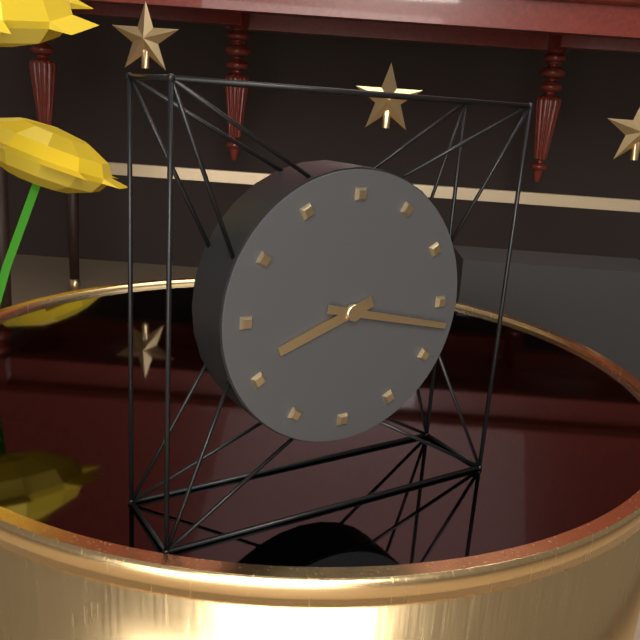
8:17
